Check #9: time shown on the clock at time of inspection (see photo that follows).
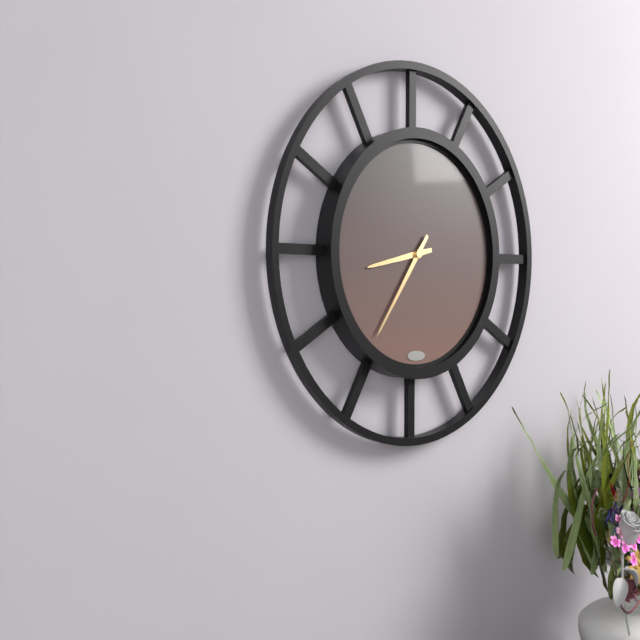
8:36
